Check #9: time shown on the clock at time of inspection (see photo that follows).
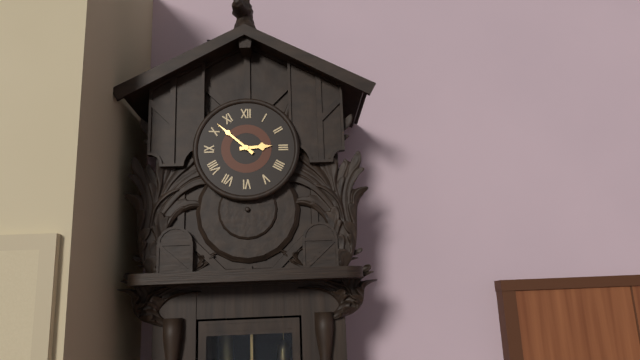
2:52
